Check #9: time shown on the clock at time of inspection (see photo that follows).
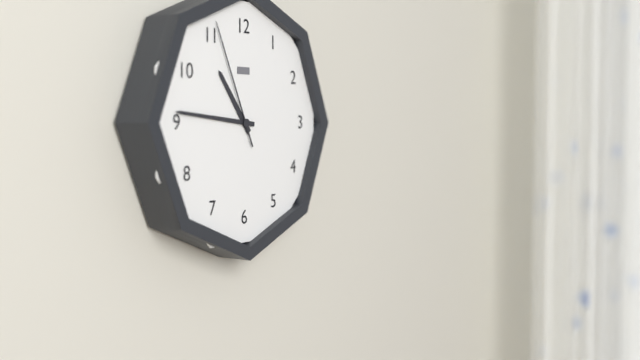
10:46:56
